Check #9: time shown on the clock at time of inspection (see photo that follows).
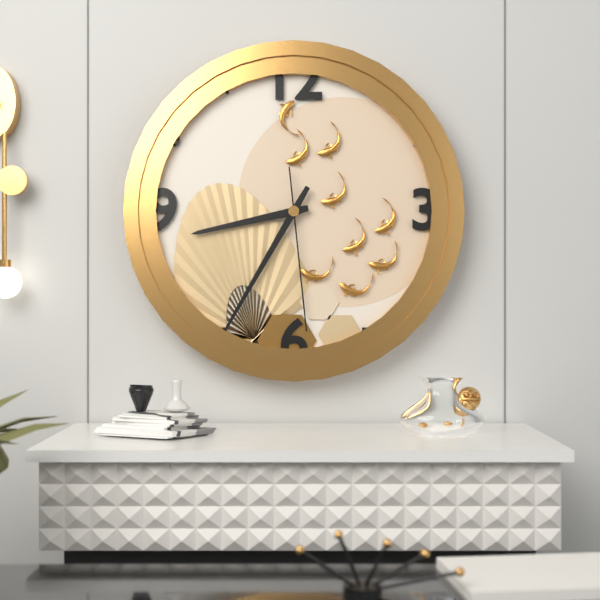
8:35:29
